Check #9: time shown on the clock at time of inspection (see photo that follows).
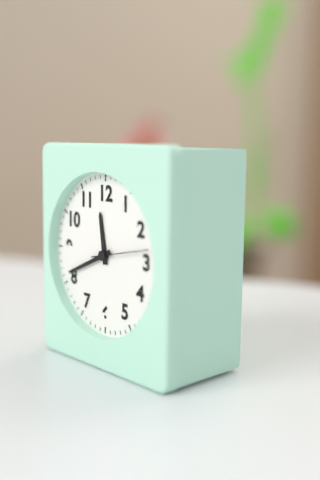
11:41:13
